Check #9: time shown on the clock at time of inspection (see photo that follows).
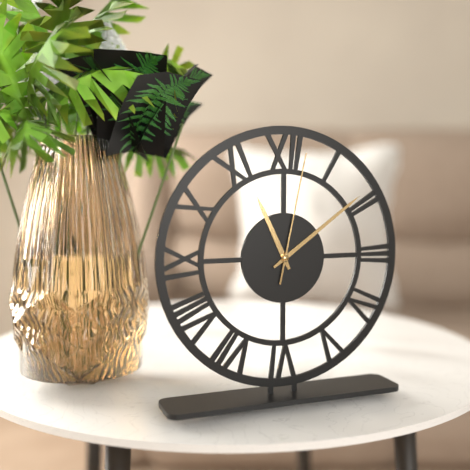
11:09:02
